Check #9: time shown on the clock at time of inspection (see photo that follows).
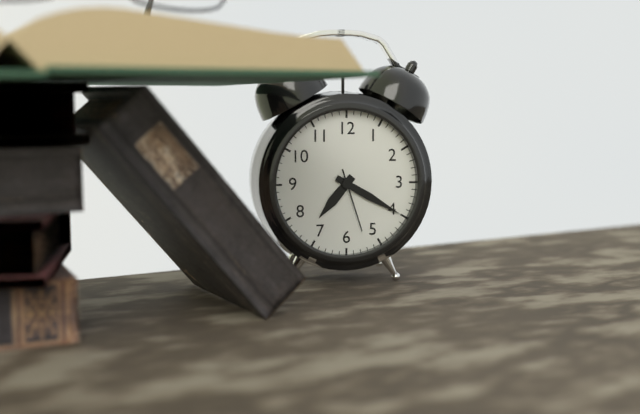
7:20:27
